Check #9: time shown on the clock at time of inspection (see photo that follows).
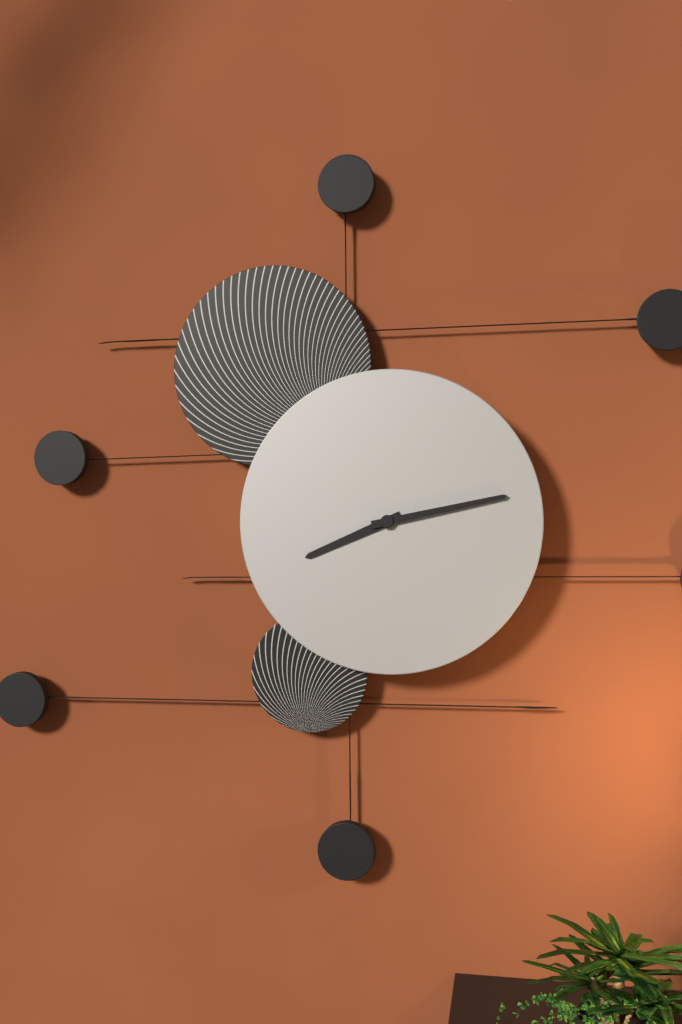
8:13
